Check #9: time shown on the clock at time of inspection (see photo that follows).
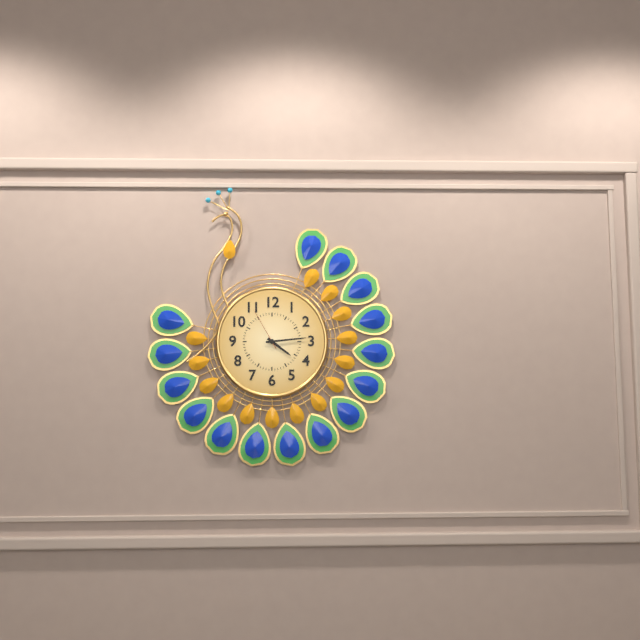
4:14
